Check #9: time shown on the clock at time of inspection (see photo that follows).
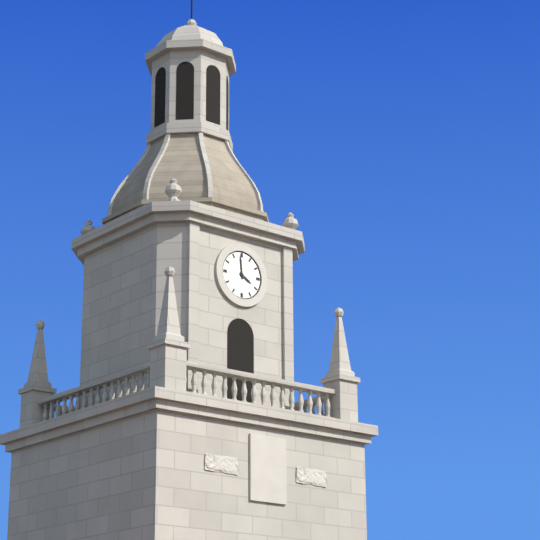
3:59
